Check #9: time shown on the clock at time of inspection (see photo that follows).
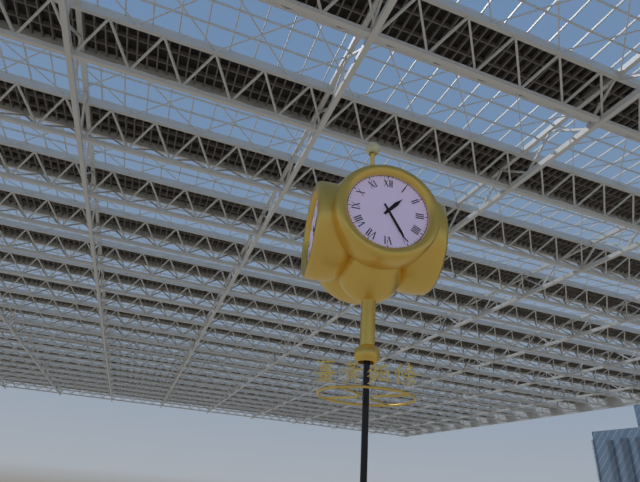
1:25
